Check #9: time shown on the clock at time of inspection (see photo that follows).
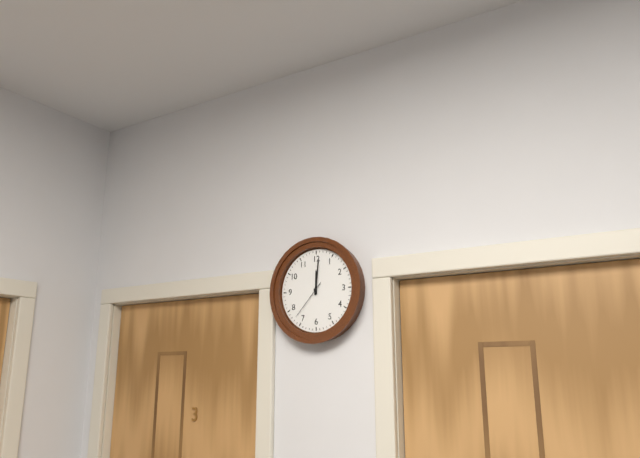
12:01
